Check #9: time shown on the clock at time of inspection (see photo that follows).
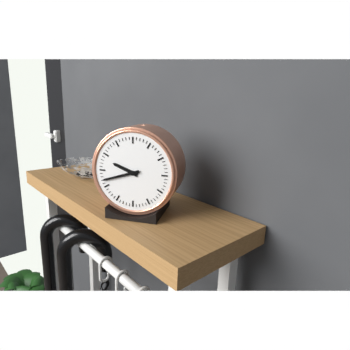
9:42
